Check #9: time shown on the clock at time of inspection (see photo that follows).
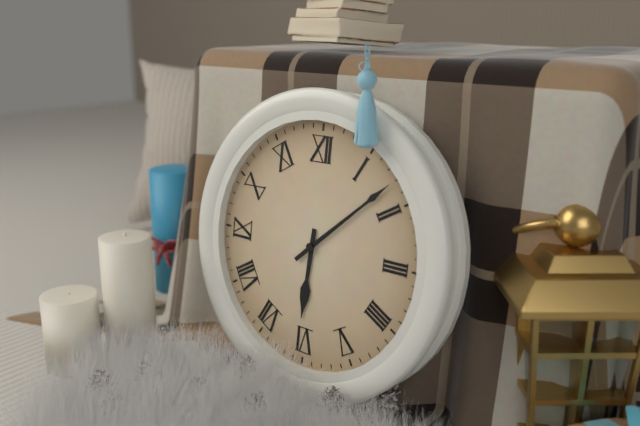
6:08
